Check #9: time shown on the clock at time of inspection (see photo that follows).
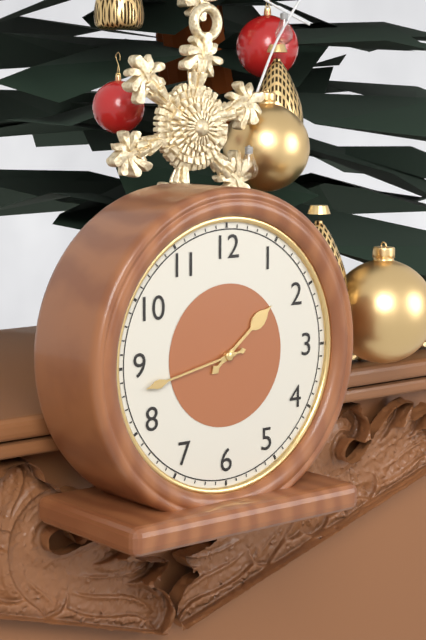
1:43
